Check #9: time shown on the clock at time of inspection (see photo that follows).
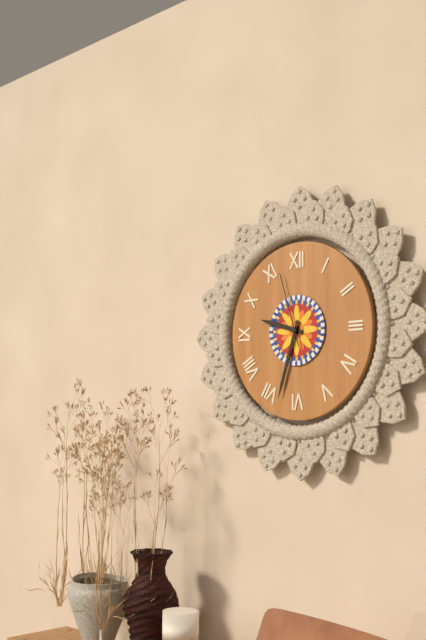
9:33:57
